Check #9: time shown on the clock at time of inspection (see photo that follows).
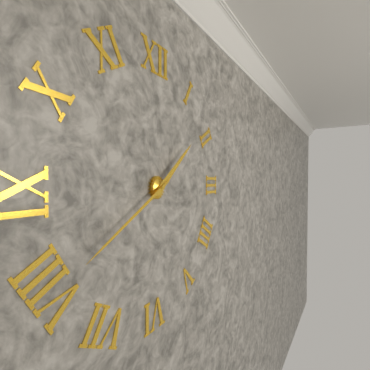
1:40
